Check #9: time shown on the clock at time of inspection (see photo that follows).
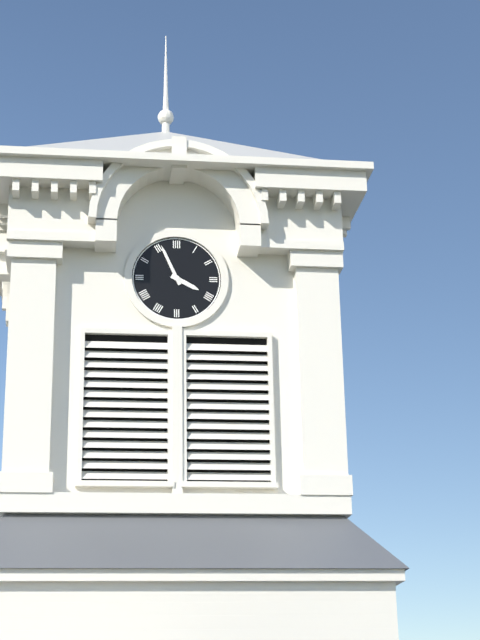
3:56
